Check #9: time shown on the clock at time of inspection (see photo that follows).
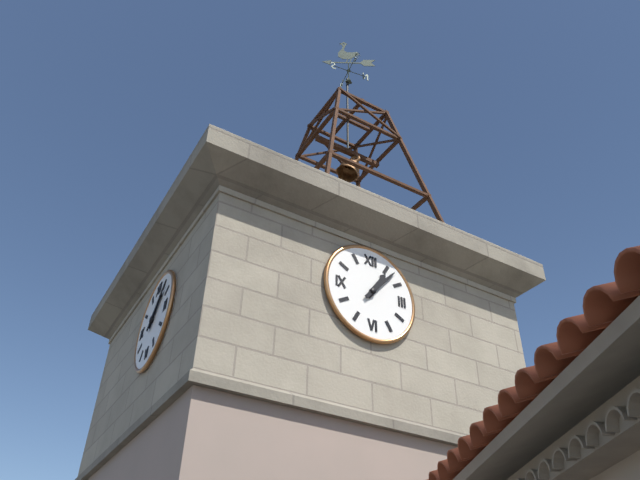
1:07
